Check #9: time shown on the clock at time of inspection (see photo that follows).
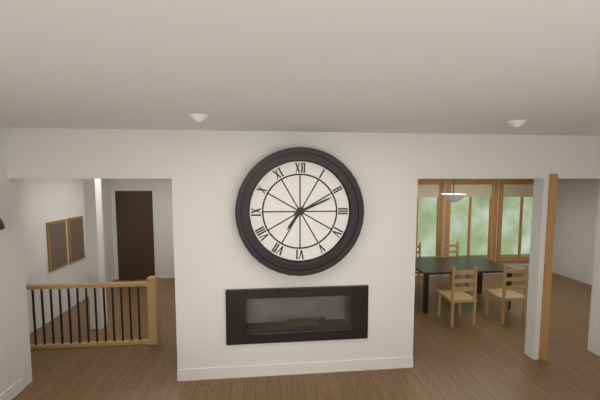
7:11
